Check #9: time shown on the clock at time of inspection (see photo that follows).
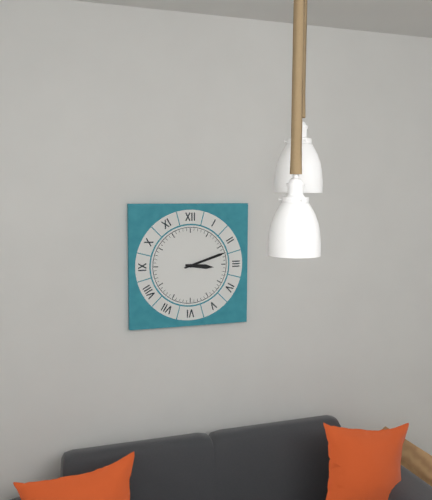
3:12
